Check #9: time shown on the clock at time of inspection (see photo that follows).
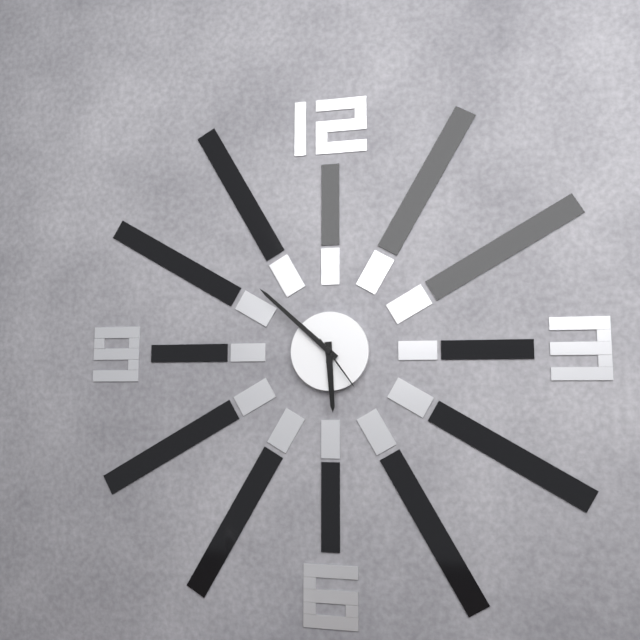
5:52:24
